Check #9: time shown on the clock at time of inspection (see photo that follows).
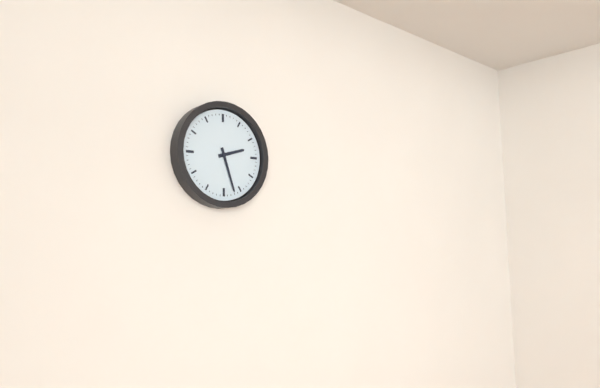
2:27
